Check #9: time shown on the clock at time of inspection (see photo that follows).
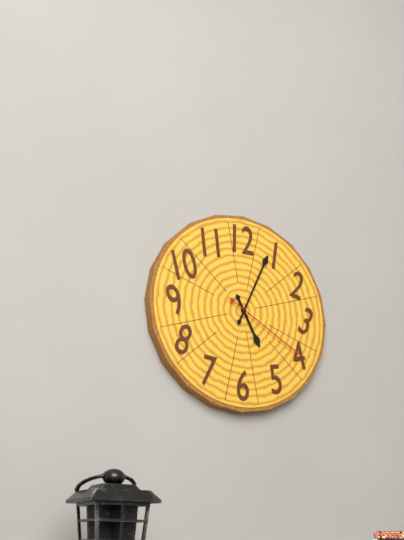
5:04:20
